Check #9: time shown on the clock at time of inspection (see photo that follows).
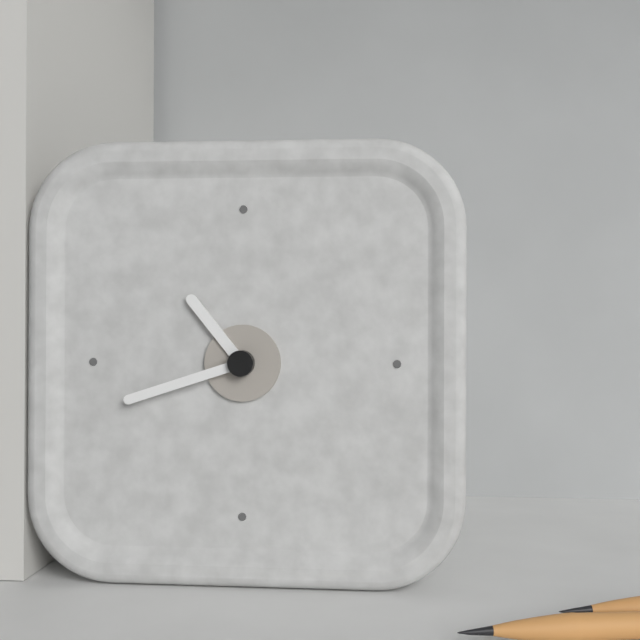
10:42
